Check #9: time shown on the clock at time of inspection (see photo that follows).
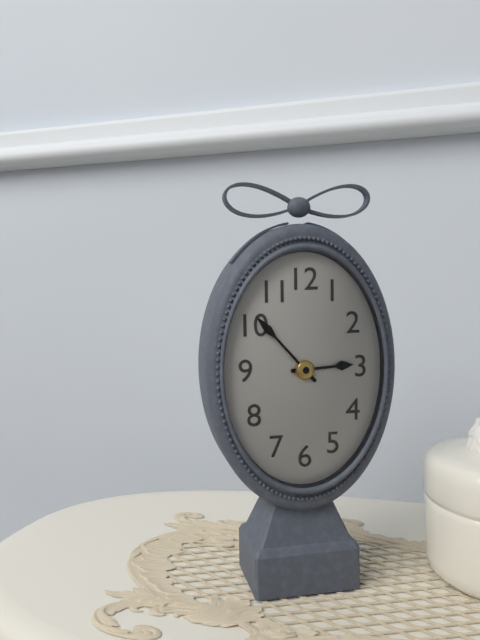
2:53
